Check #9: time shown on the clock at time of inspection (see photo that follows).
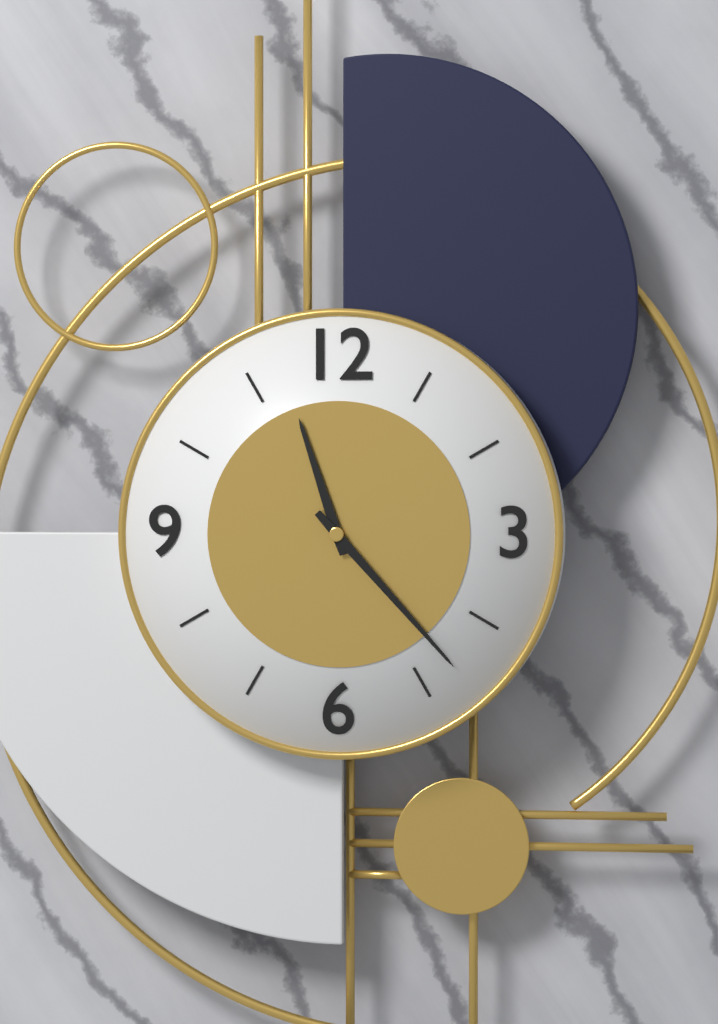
11:23
